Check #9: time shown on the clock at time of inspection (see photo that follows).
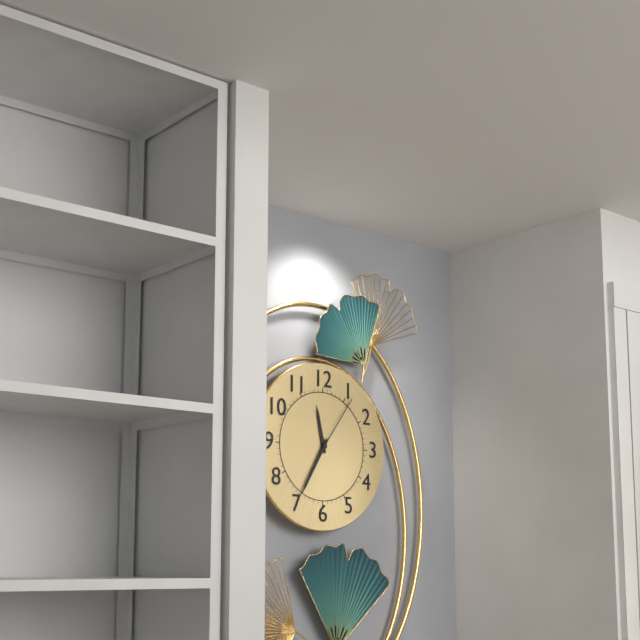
11:35:06
